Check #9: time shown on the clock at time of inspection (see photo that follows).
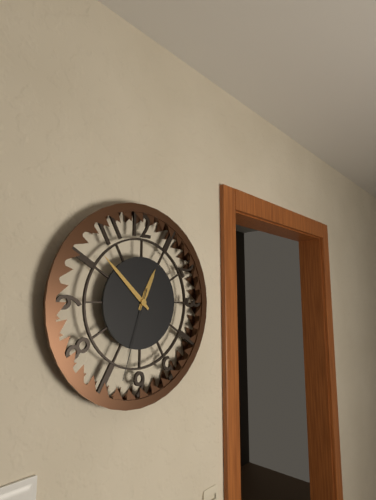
12:52:33
